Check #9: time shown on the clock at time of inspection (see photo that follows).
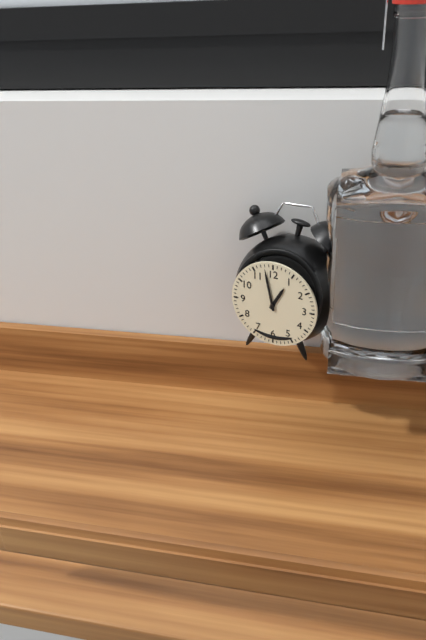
12:58
